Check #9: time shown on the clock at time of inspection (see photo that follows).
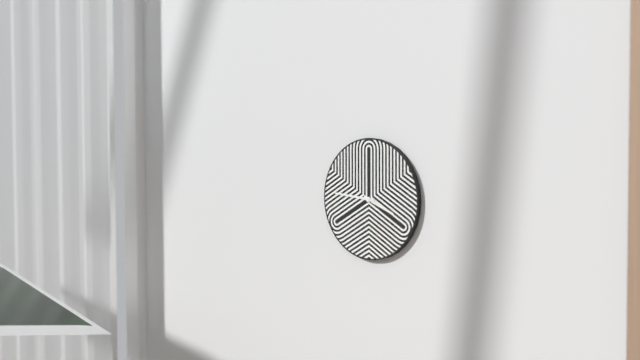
3:46
